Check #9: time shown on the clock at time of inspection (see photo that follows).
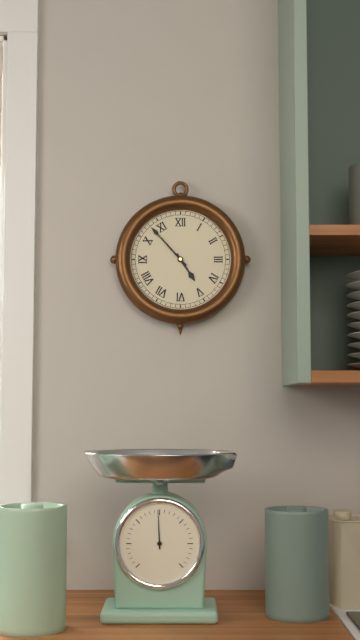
4:53
